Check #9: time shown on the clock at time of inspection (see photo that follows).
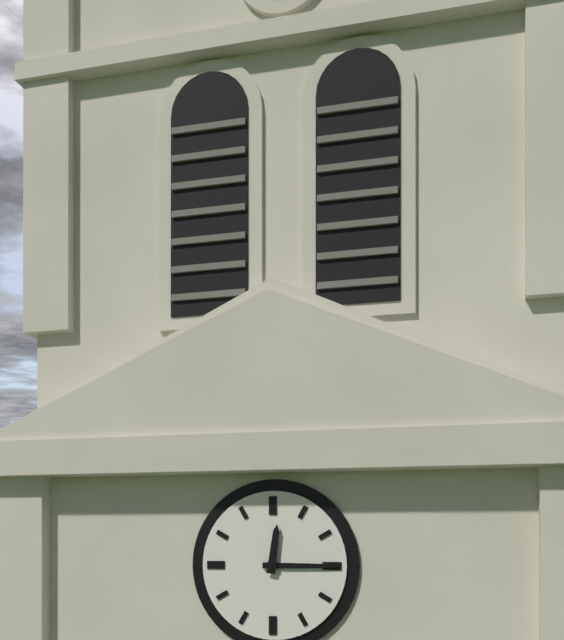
12:15
